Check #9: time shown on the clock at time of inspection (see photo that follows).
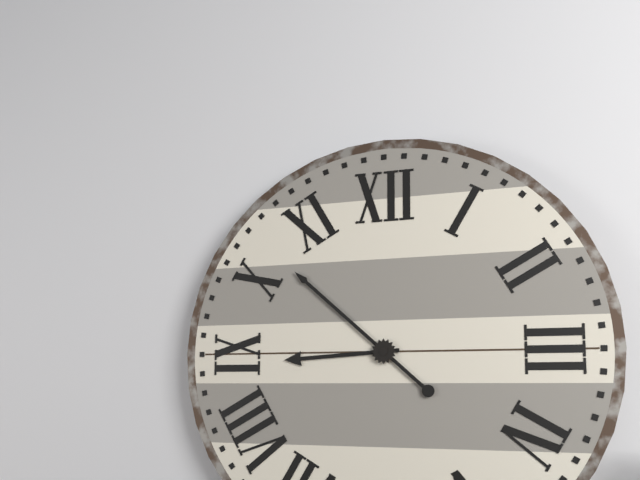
8:52
